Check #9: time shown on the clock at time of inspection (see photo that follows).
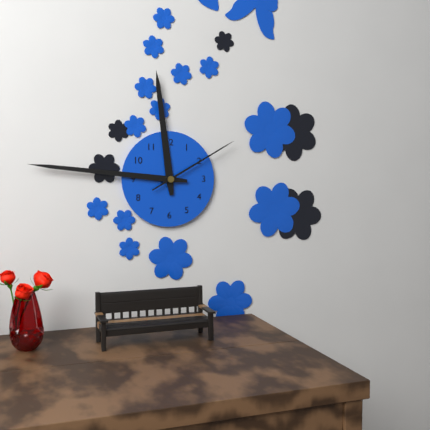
11:46:10
